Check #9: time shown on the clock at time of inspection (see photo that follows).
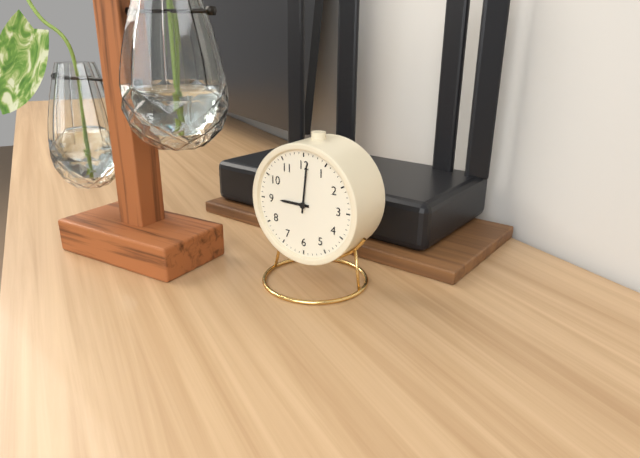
9:01
